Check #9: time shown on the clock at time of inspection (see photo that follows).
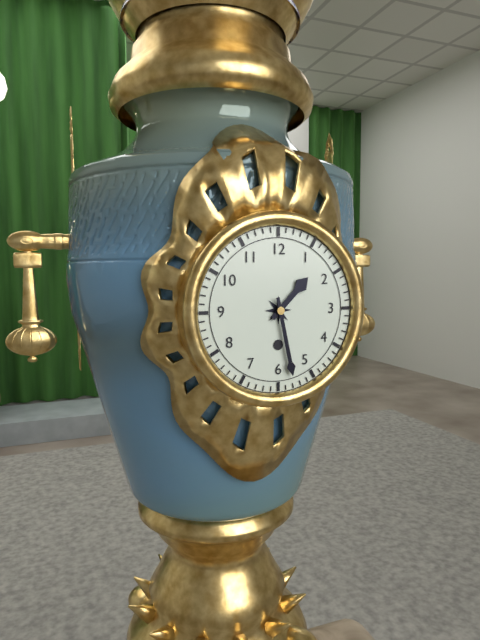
1:28
